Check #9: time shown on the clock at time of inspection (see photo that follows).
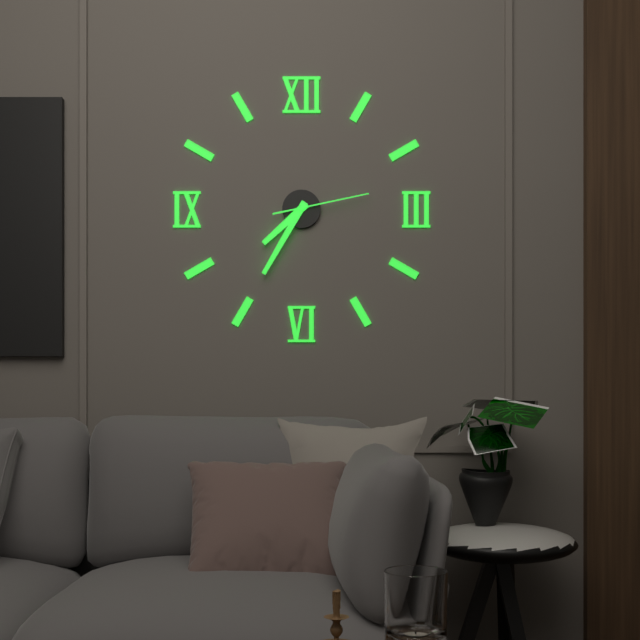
7:35:13
